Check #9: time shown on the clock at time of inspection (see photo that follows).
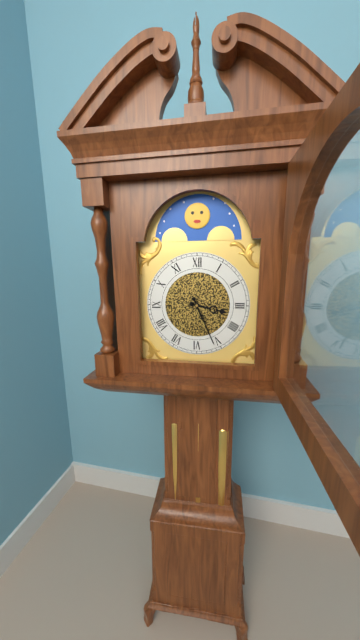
3:26
